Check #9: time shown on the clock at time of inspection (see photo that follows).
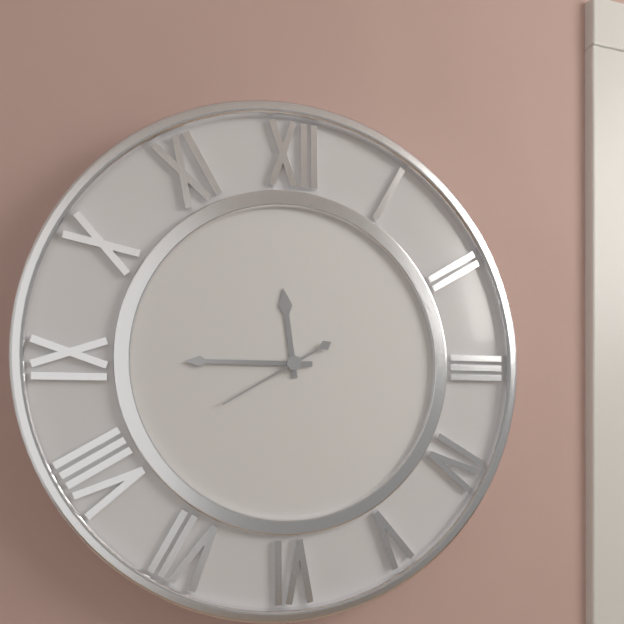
11:45:40
